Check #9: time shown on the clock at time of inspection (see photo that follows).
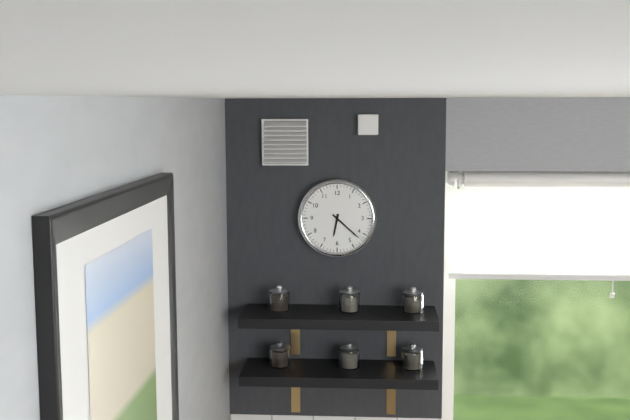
6:22
